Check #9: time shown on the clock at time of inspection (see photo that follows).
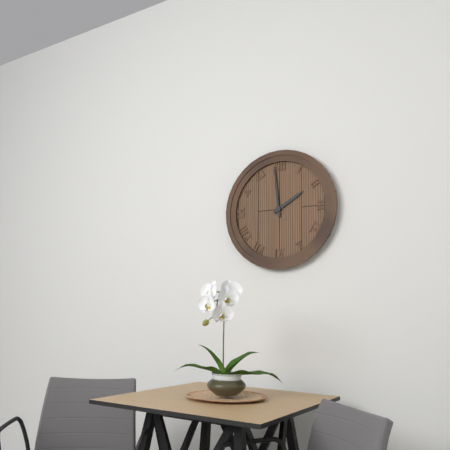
1:59
